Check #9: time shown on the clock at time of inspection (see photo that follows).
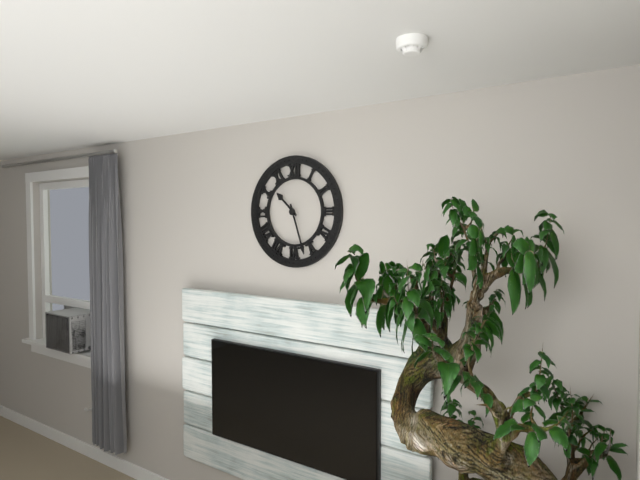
10:27
